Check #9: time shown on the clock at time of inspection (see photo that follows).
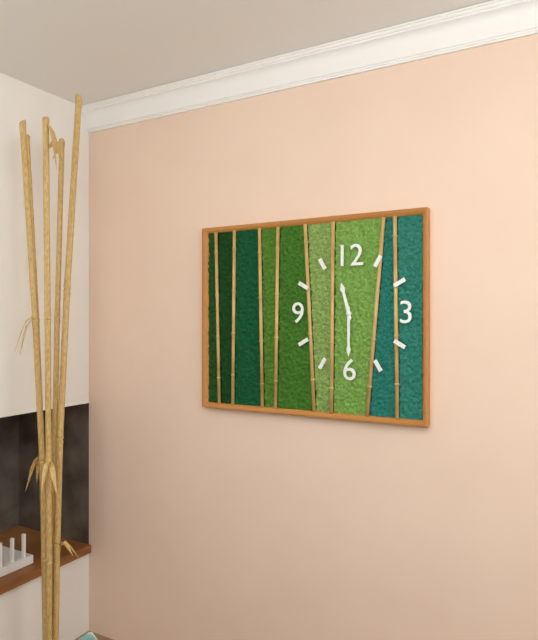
11:30
